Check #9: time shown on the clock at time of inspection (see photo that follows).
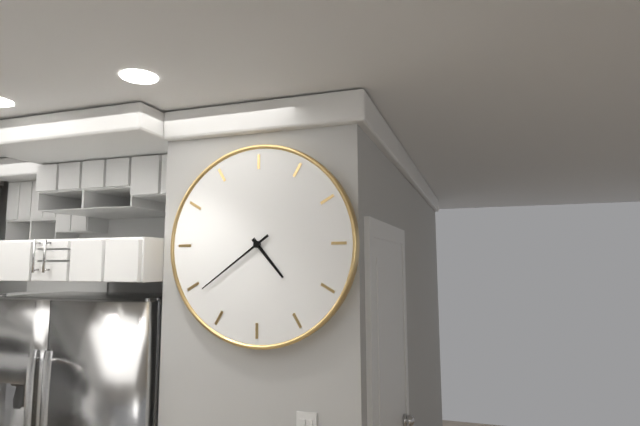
4:39
